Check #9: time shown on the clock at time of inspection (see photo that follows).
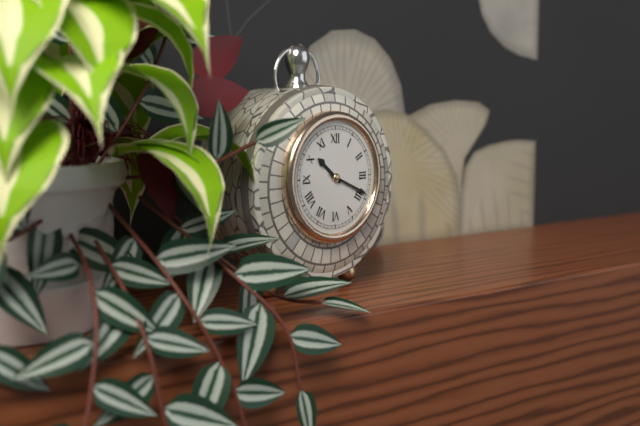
10:19
